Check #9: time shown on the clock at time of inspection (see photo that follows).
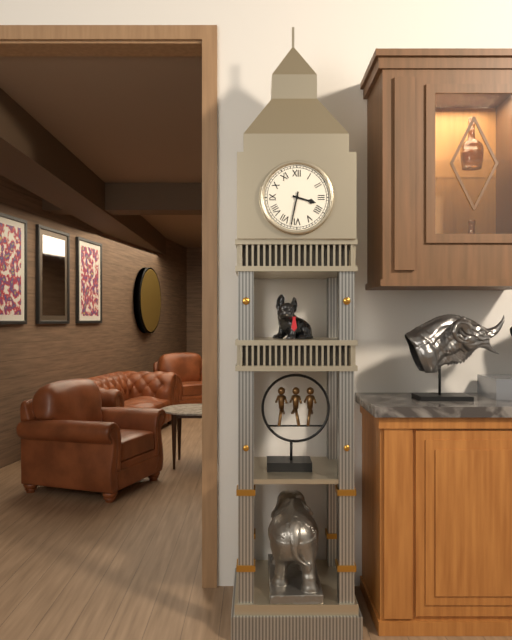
3:32
